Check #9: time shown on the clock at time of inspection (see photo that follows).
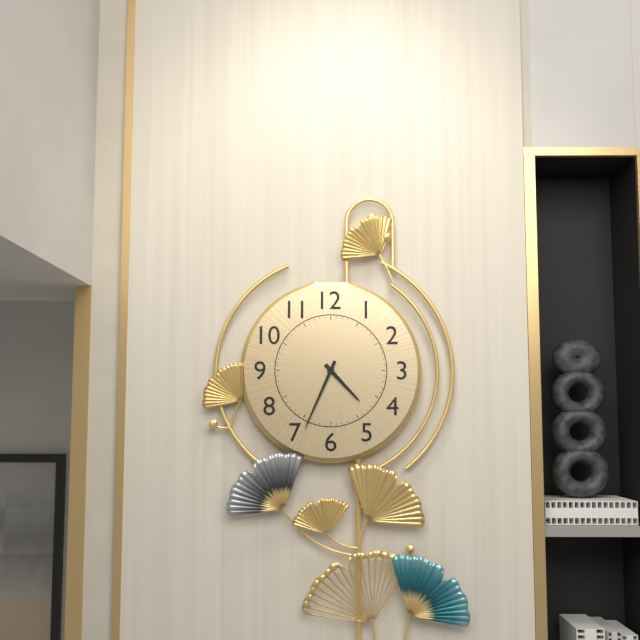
4:34
